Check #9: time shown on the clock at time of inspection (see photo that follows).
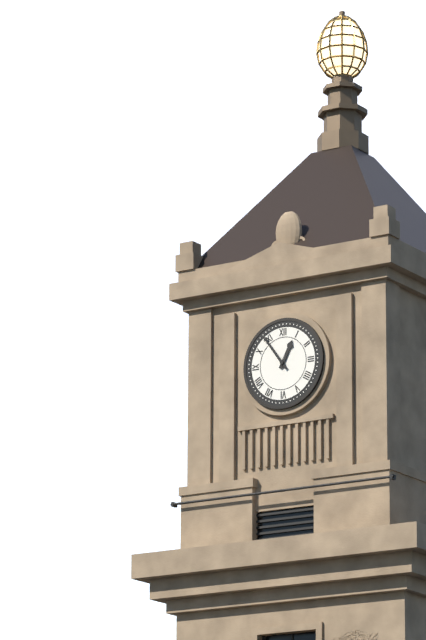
12:54
